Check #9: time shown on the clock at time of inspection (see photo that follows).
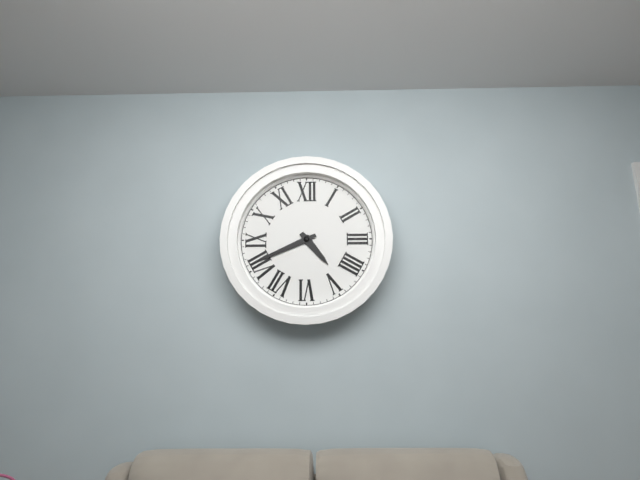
4:41
